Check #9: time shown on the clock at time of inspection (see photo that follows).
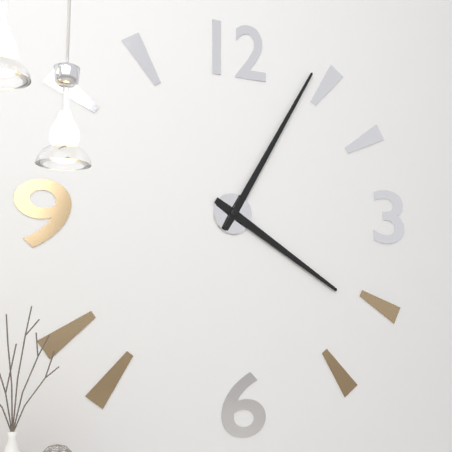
4:05
